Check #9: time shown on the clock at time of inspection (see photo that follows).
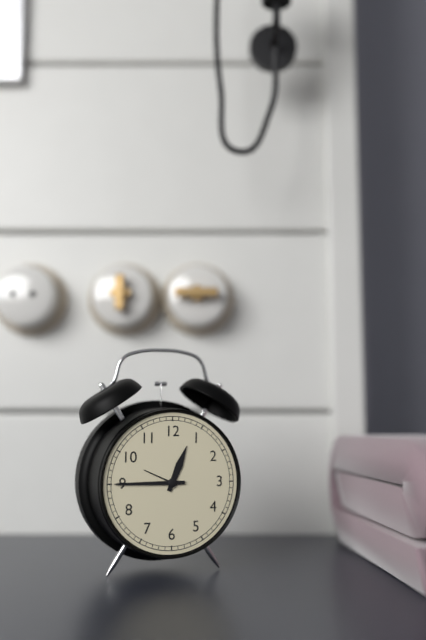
12:45
